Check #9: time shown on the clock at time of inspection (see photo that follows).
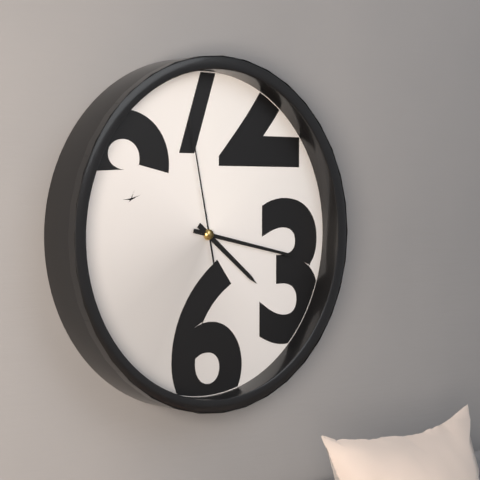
4:17:58
